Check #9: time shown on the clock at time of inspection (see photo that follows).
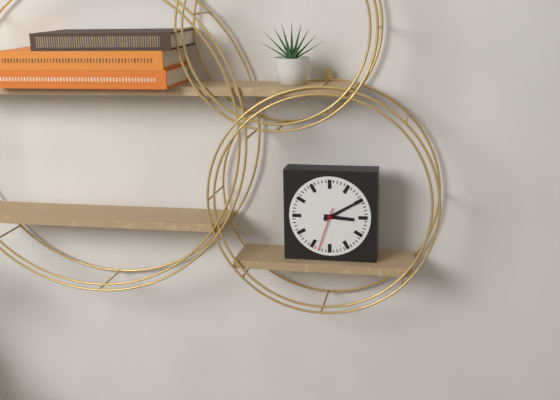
3:10
